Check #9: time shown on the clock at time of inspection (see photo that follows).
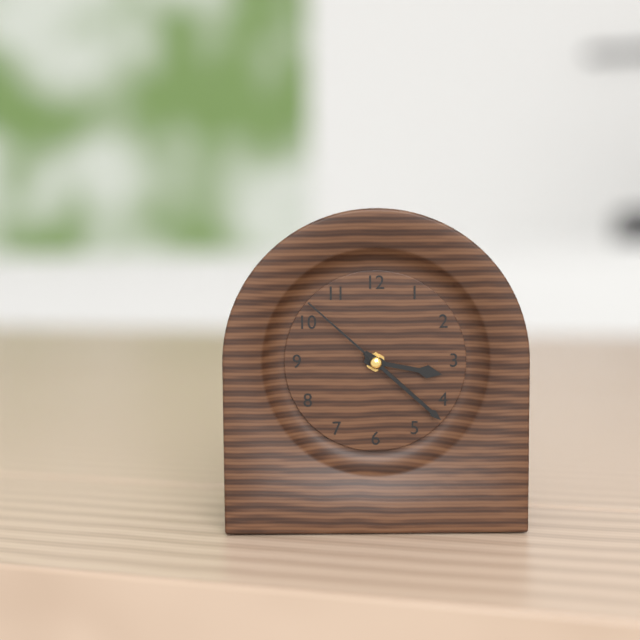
3:22:52
